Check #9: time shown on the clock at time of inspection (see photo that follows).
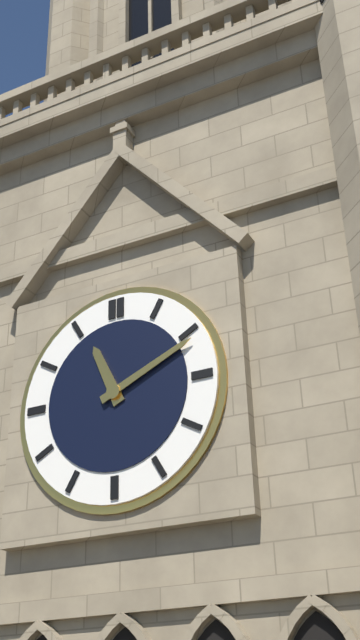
11:11
